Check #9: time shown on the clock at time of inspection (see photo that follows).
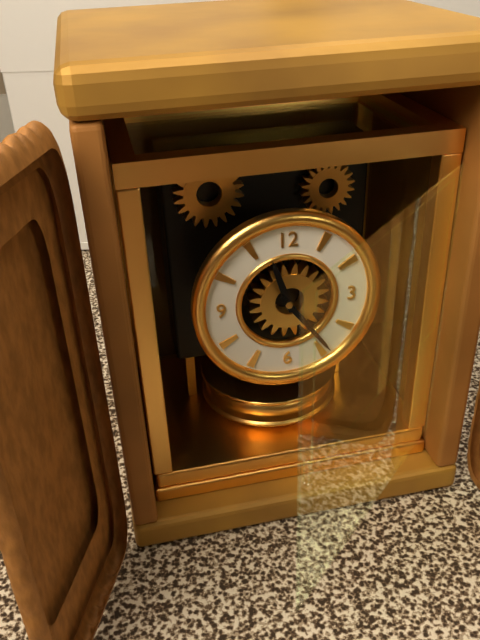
11:24
